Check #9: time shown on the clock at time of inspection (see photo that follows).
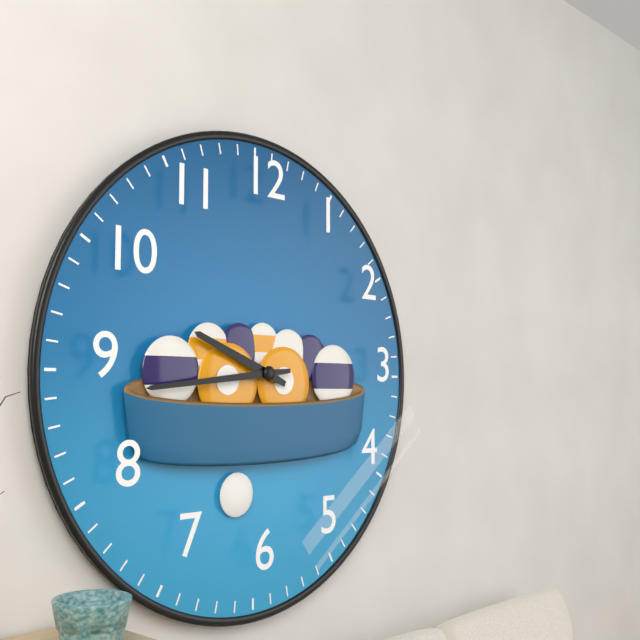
9:44
